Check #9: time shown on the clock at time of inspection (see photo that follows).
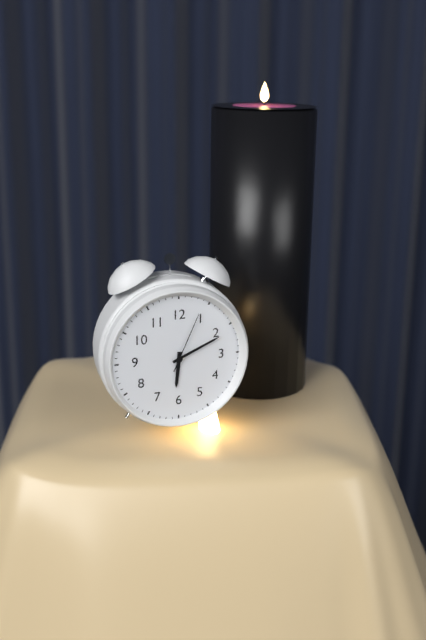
6:11:04
